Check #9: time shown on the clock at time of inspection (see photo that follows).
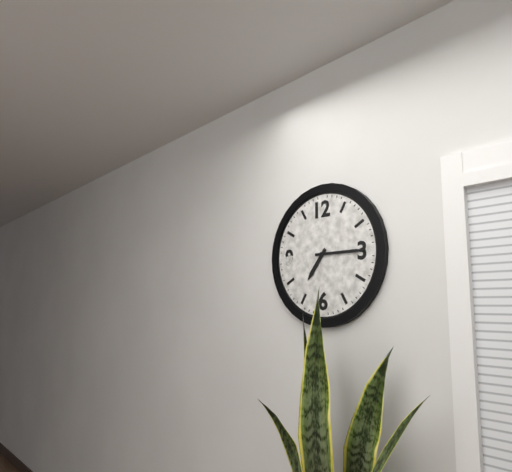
7:15
